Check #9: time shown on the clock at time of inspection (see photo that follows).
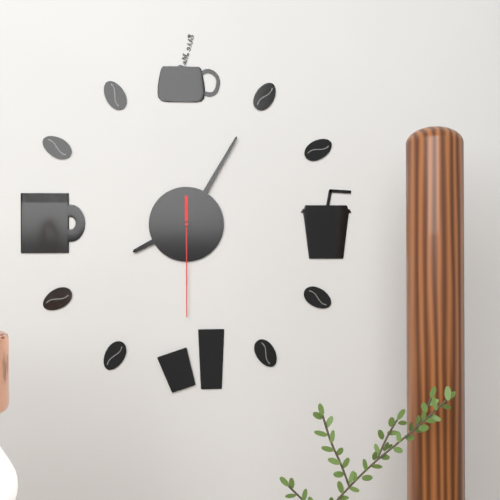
8:05:30
